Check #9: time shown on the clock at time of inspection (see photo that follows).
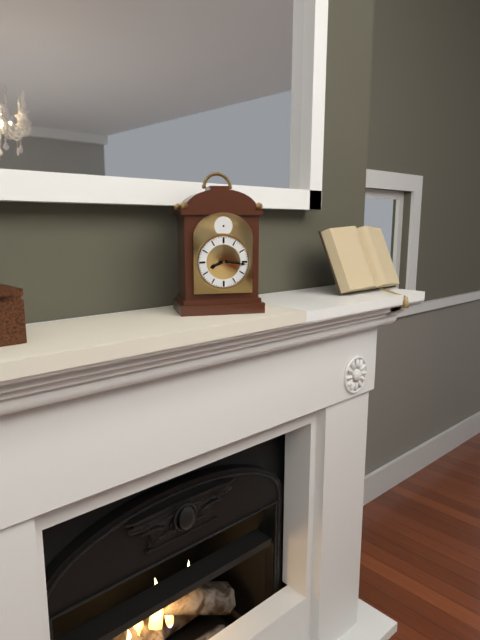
8:16
